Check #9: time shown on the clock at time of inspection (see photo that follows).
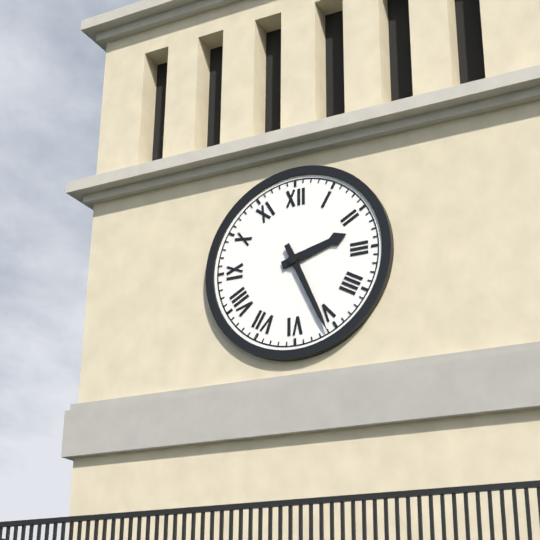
2:26
